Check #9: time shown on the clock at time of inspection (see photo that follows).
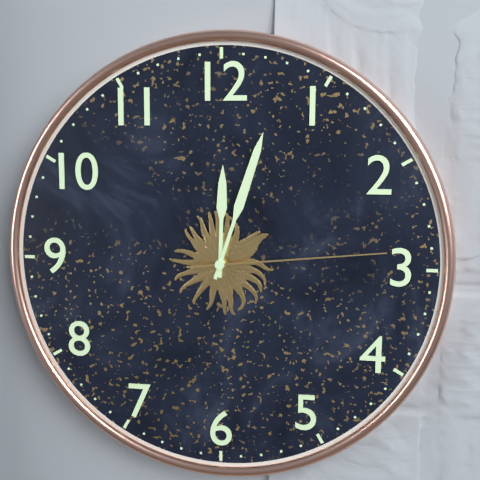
12:03:14
